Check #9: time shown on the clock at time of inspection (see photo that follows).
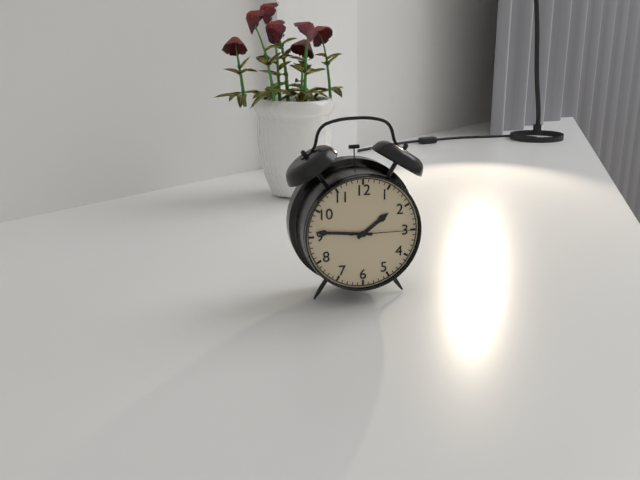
1:46:15
